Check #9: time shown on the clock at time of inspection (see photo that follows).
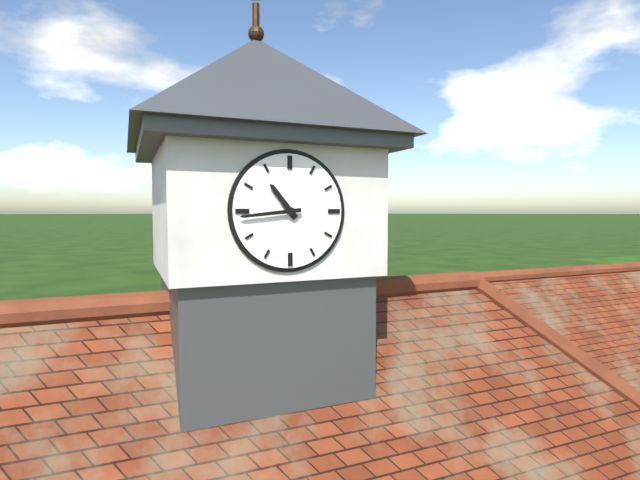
10:44
